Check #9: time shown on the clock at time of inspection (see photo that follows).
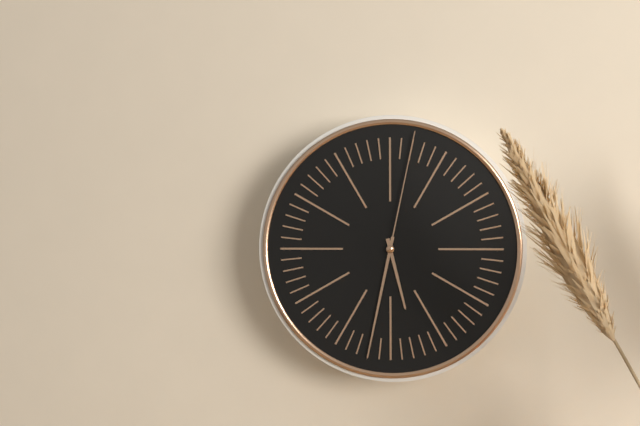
5:32:02
